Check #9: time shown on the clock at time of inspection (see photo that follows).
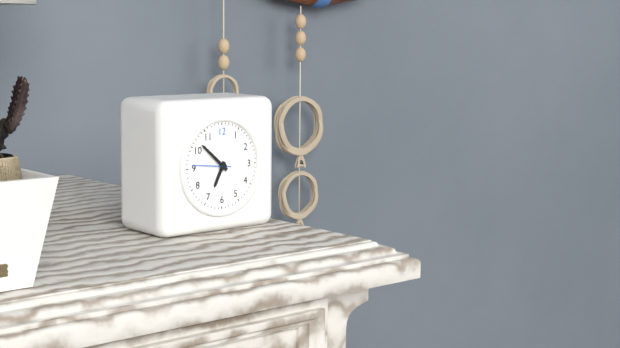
6:52
